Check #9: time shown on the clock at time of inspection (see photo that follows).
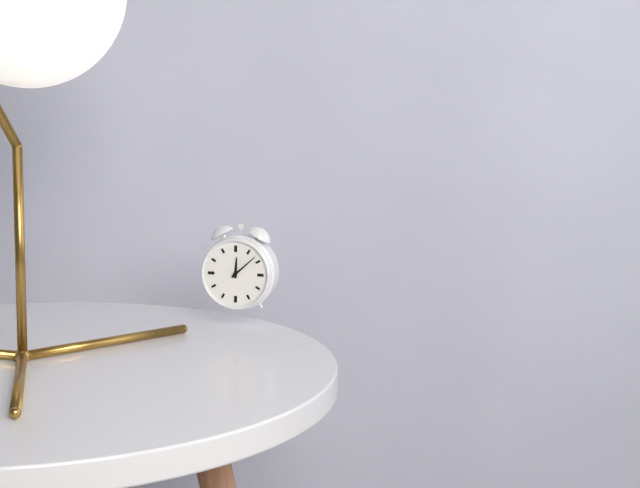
12:08
